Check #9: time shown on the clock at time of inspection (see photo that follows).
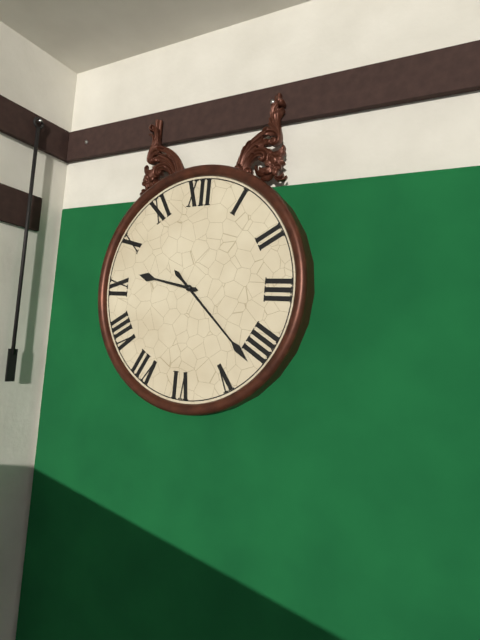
9:22
